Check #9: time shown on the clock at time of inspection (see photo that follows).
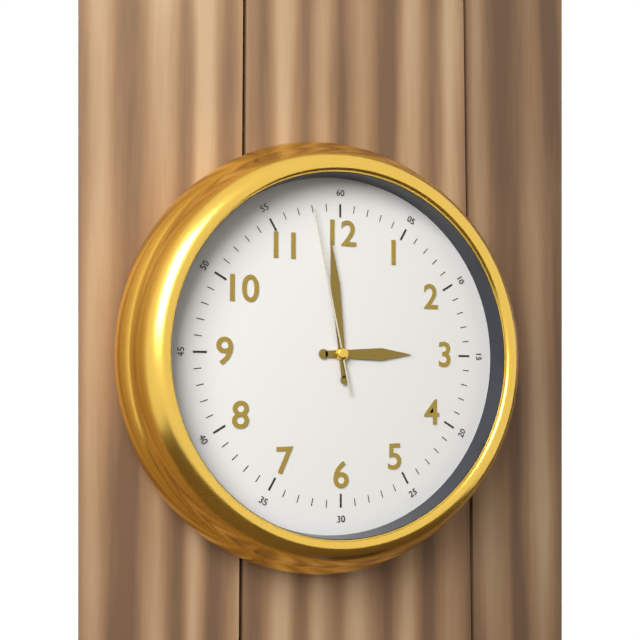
2:59:58
